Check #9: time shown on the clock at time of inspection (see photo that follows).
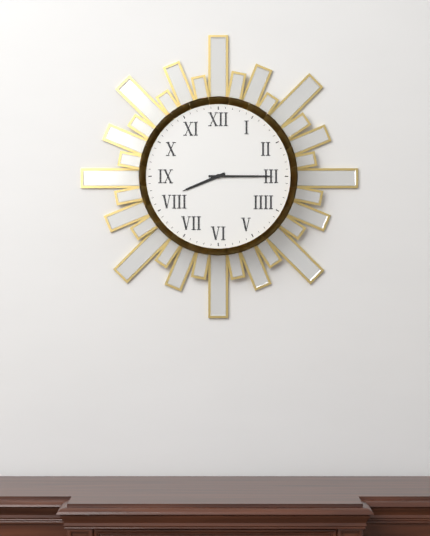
8:15
